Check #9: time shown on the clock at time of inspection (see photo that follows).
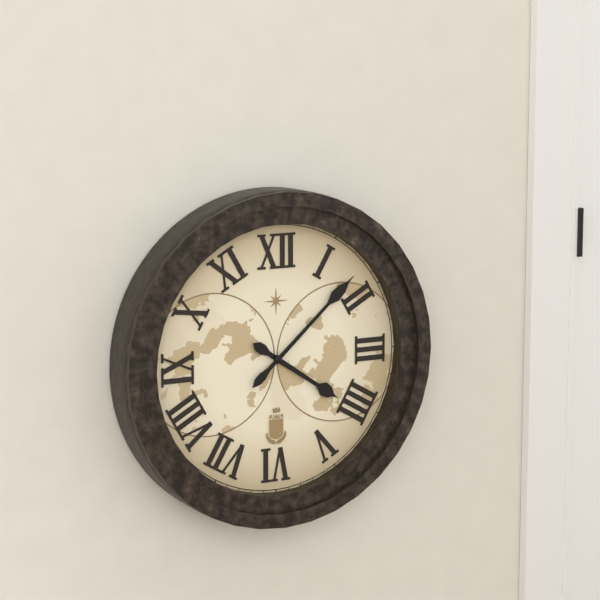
4:08
